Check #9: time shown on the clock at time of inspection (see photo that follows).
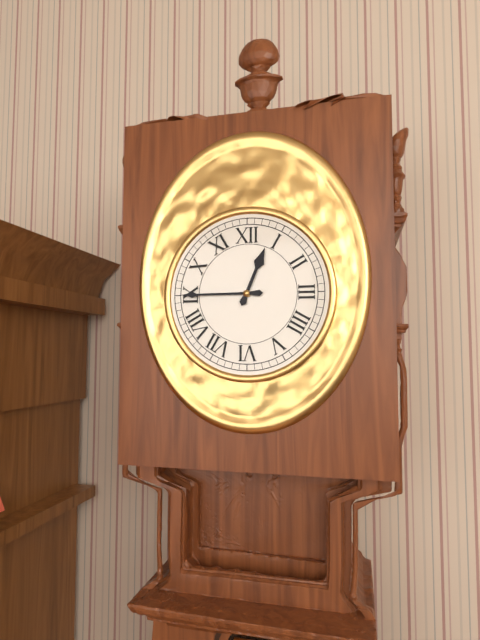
12:45
